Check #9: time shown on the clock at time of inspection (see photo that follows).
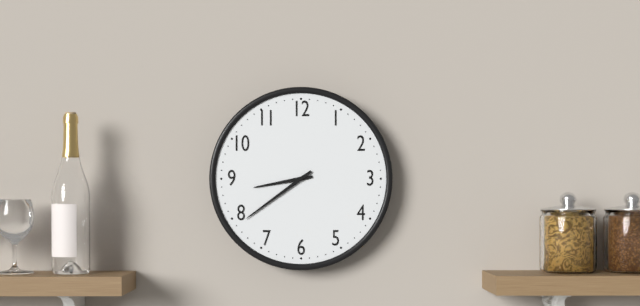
8:39
